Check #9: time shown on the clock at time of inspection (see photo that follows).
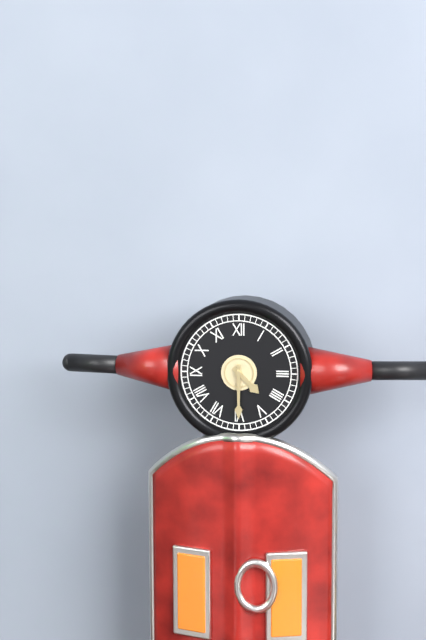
4:30
